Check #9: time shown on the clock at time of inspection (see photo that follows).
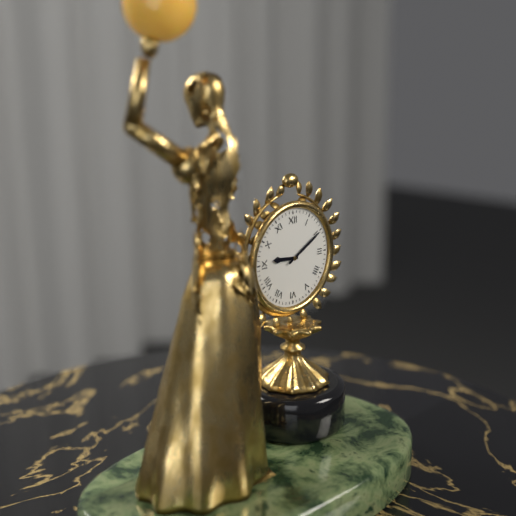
9:10
